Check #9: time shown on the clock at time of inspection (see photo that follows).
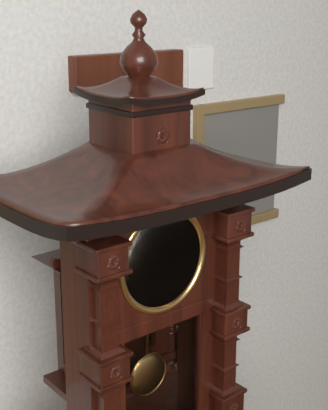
1:04
